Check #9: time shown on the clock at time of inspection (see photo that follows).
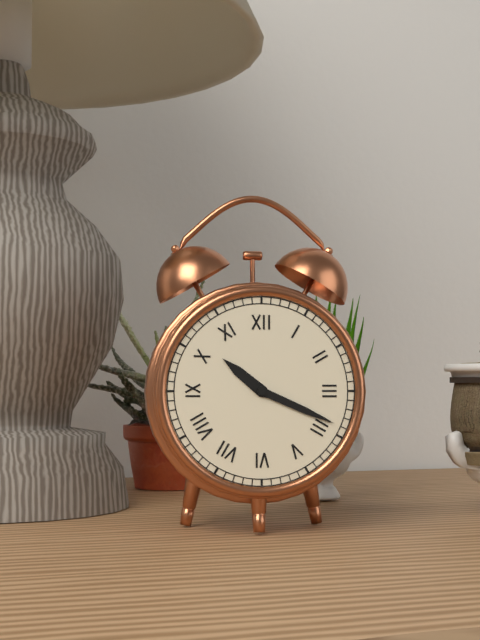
10:19
